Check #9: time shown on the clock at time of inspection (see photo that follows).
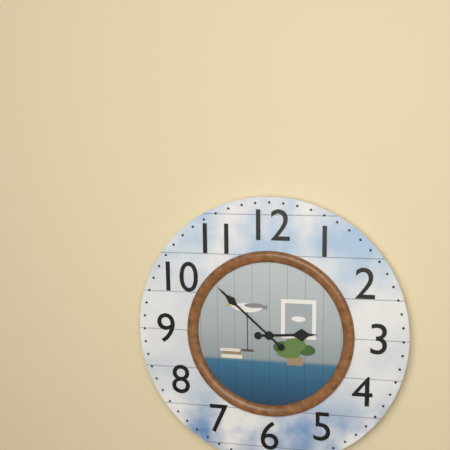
2:52
